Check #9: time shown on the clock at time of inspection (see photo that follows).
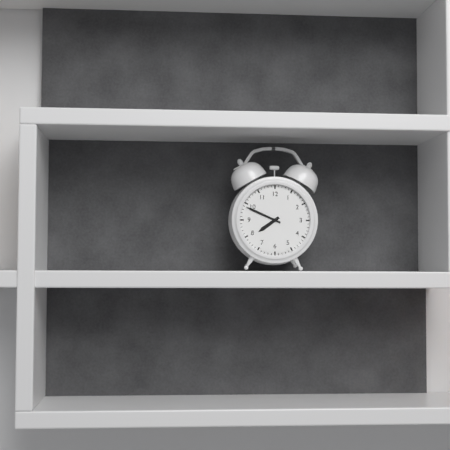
7:49
